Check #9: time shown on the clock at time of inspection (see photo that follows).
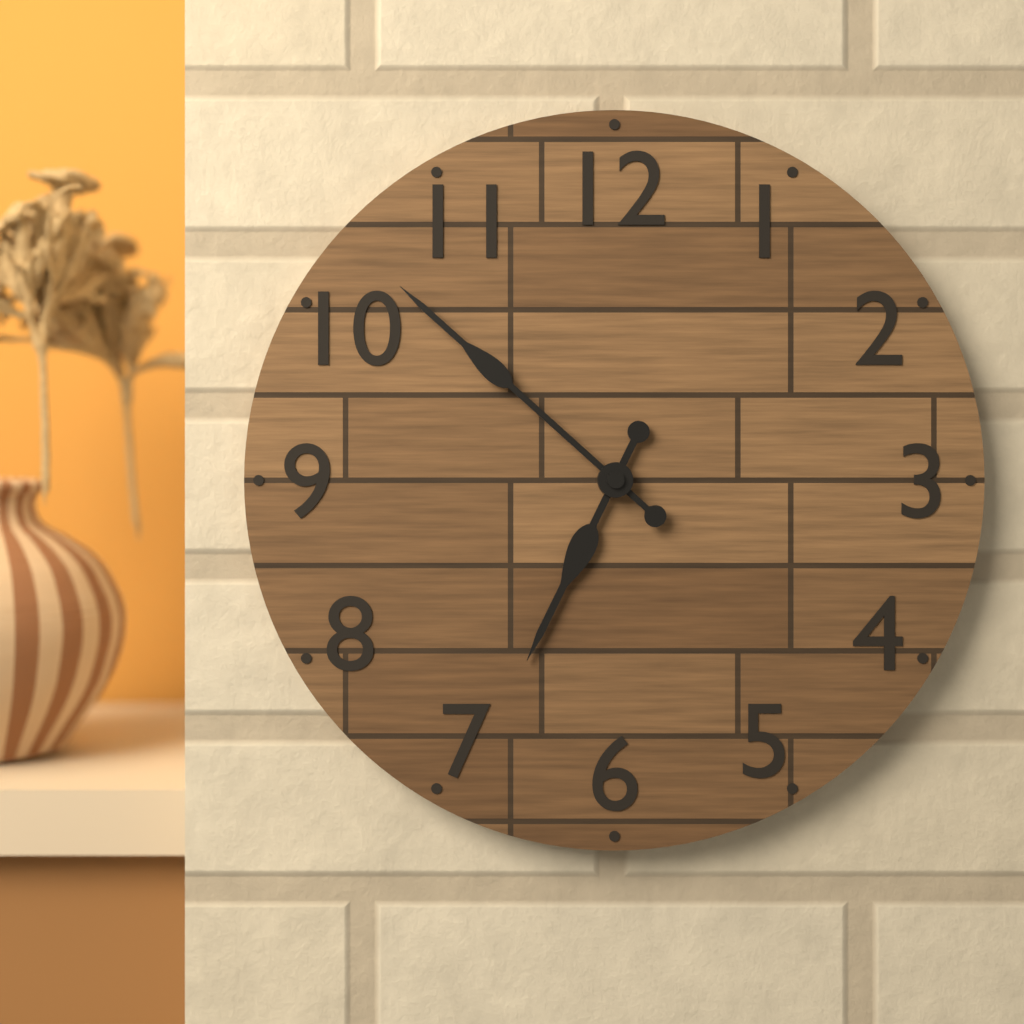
6:52
